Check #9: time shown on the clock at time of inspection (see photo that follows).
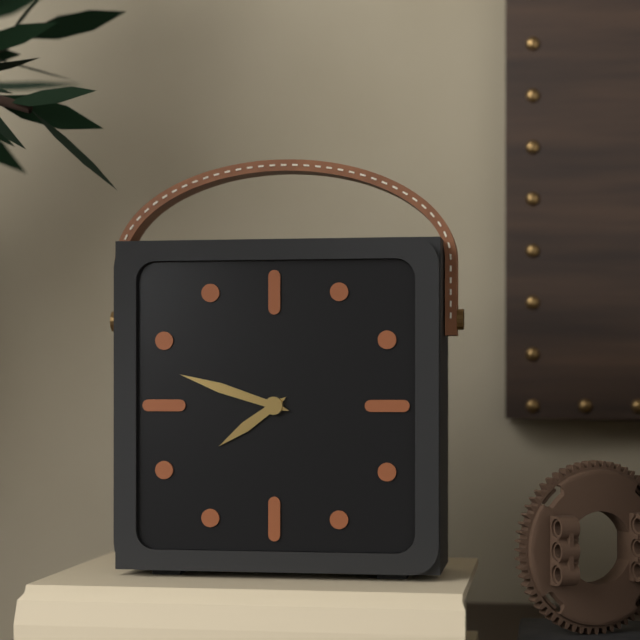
7:48
